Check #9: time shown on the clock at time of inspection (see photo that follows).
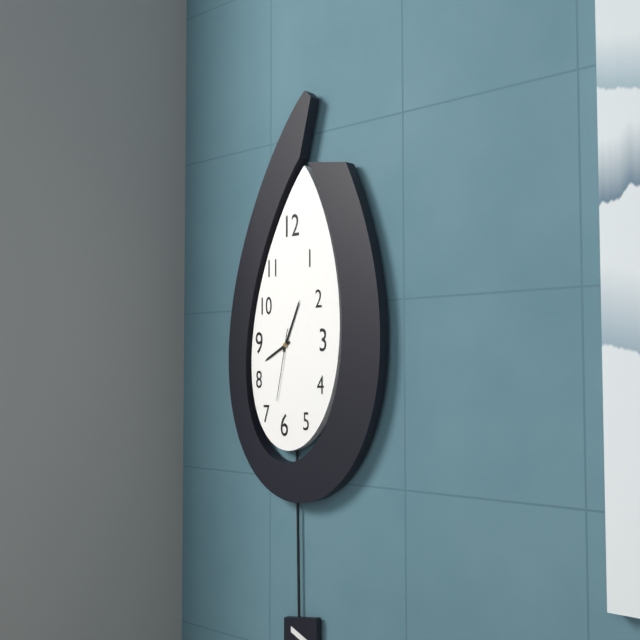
8:04:32
